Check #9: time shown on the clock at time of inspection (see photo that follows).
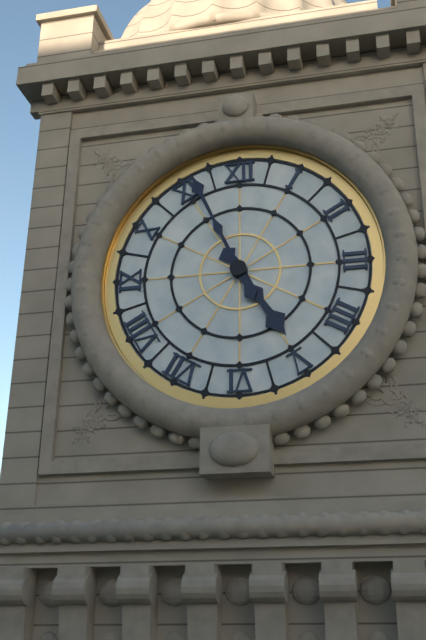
4:56
